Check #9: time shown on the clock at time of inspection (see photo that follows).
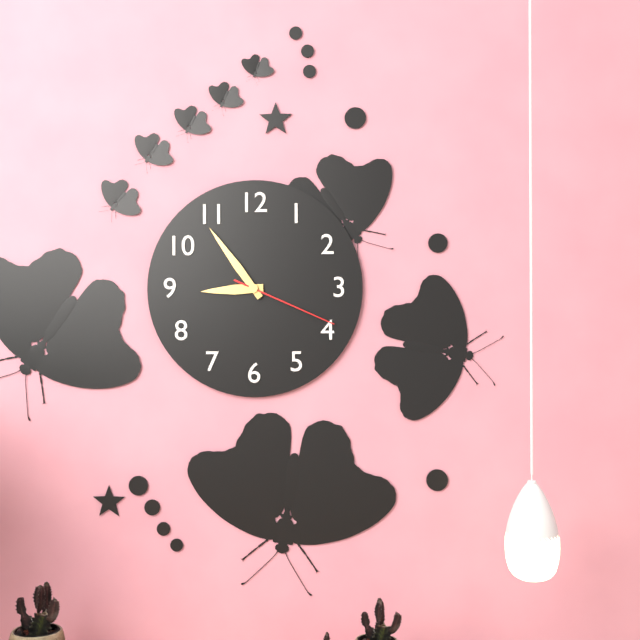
8:54:19
